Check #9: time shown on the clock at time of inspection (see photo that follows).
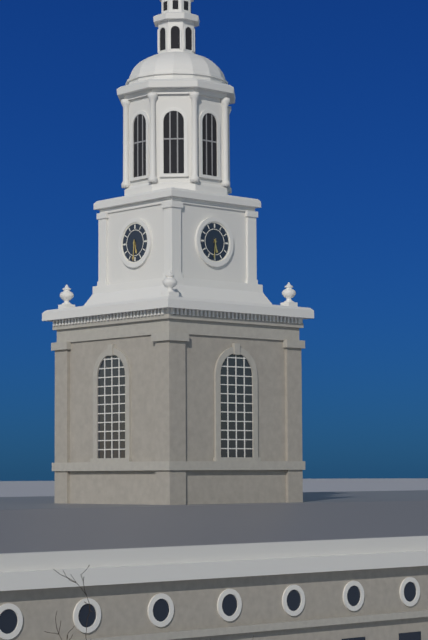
5:31
